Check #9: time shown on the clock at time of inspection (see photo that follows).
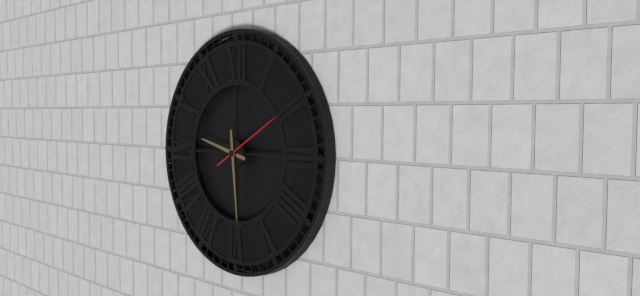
9:29:10
